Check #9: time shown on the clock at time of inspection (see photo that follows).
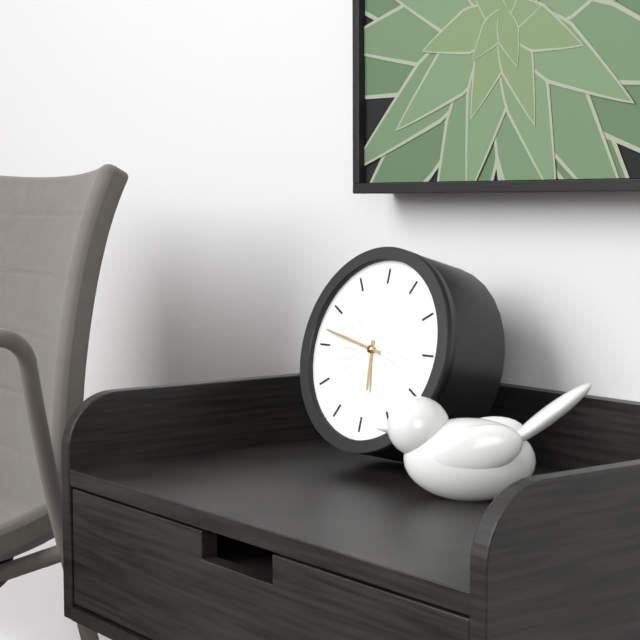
5:47
